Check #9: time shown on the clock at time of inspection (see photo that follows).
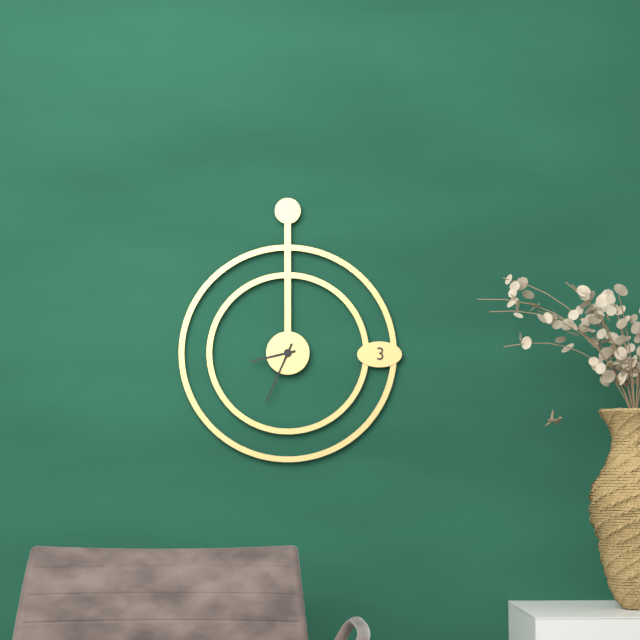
8:34
